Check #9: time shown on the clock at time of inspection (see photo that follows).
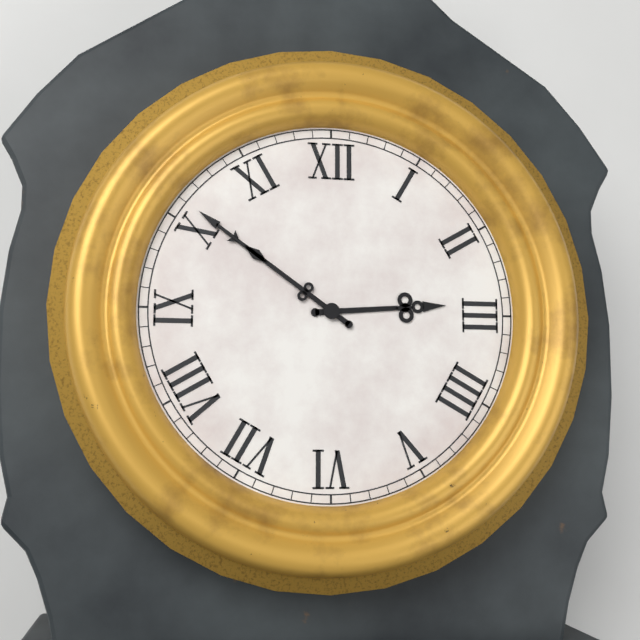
2:51
